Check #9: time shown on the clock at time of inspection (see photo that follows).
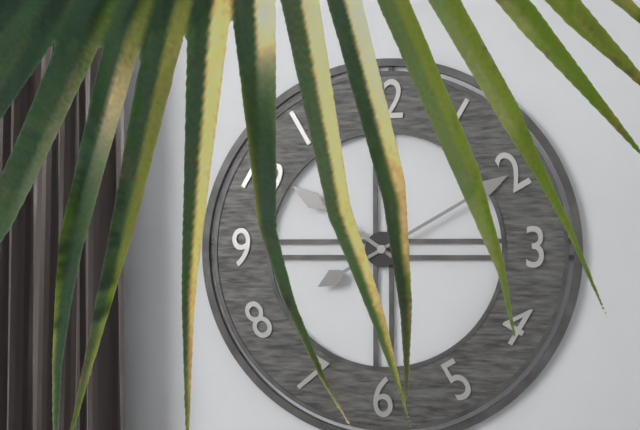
10:10
